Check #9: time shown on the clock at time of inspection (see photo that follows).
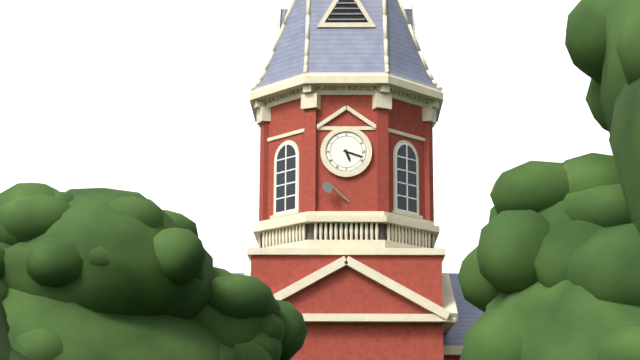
5:18
